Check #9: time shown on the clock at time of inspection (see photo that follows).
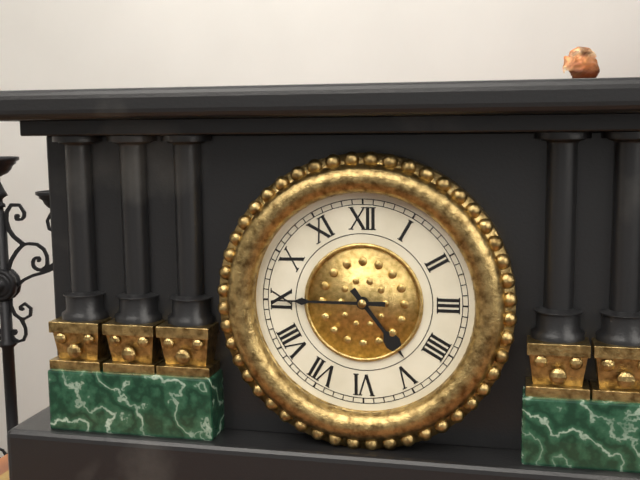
4:45
